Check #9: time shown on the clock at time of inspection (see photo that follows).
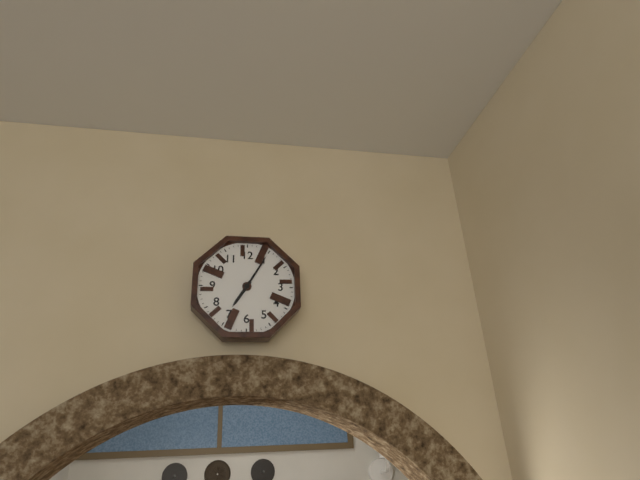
7:05
